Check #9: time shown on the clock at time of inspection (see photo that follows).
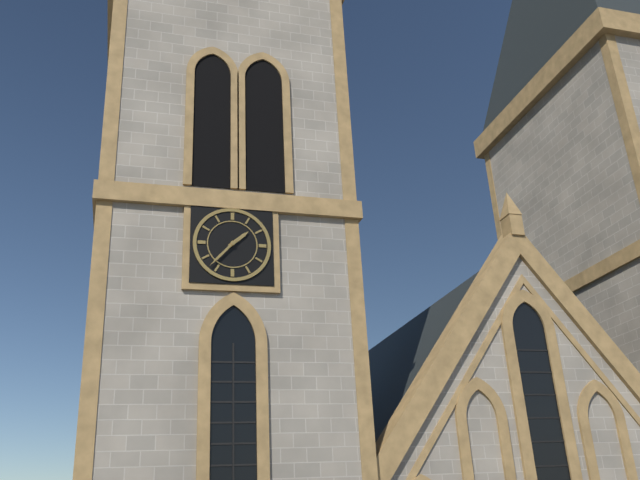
1:37
